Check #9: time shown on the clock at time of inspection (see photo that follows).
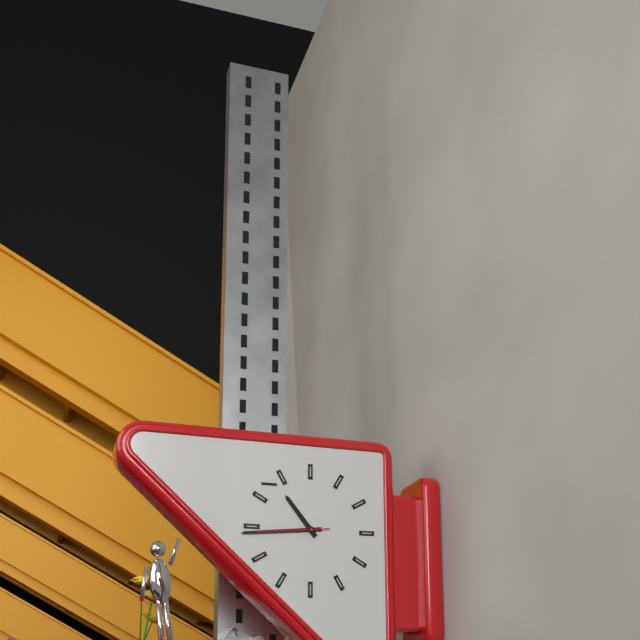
10:44:44
